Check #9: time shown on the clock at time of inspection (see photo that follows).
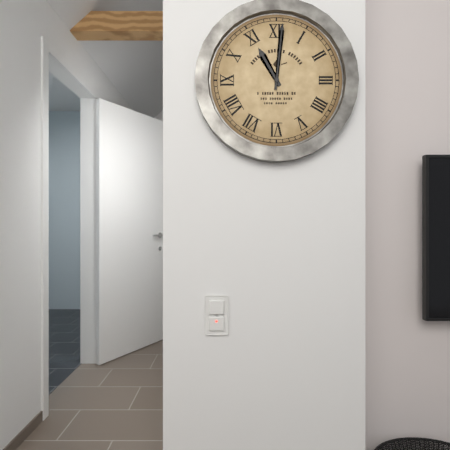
11:01
